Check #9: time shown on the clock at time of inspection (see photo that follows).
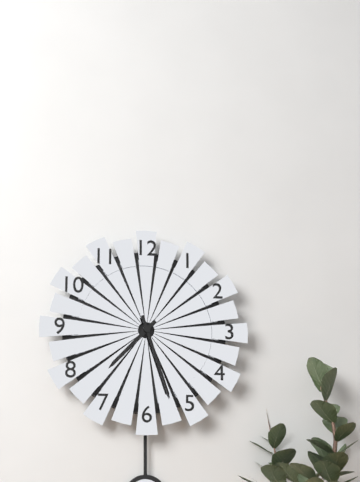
7:27
